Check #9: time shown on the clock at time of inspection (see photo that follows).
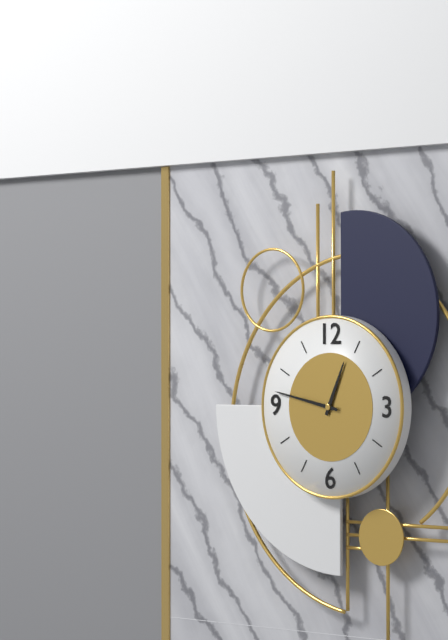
12:47
